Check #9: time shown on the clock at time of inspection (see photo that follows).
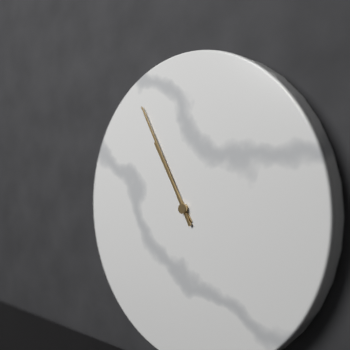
10:55
